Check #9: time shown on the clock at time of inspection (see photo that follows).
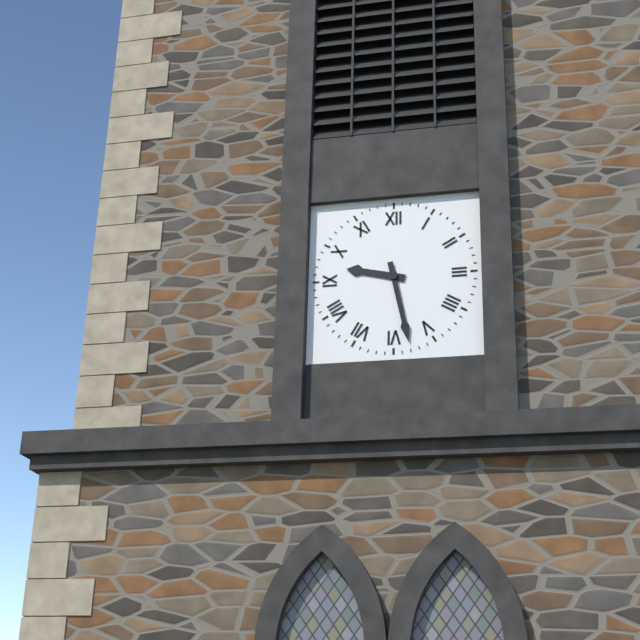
9:28
